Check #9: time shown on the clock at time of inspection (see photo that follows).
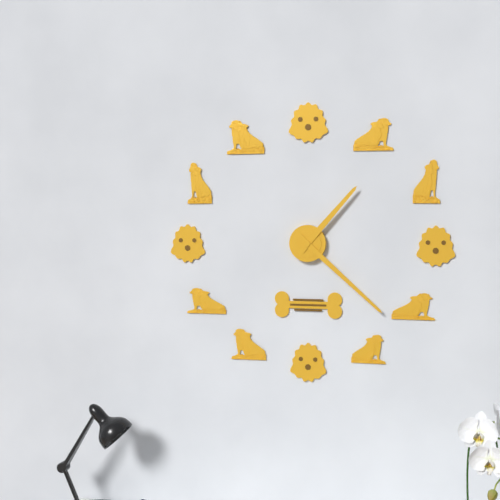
1:22
